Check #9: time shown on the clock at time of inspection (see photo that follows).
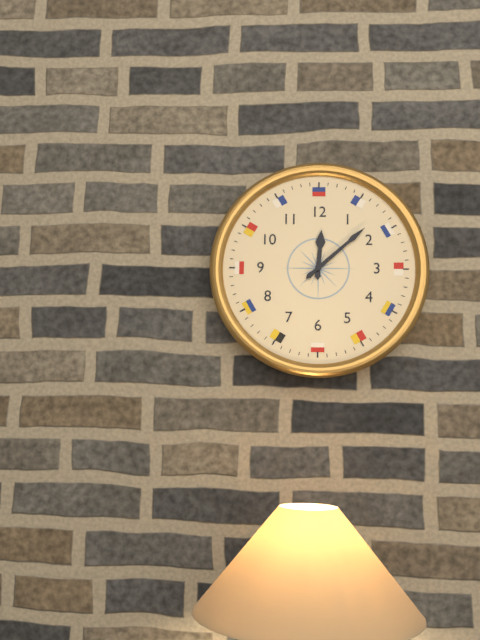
12:08
